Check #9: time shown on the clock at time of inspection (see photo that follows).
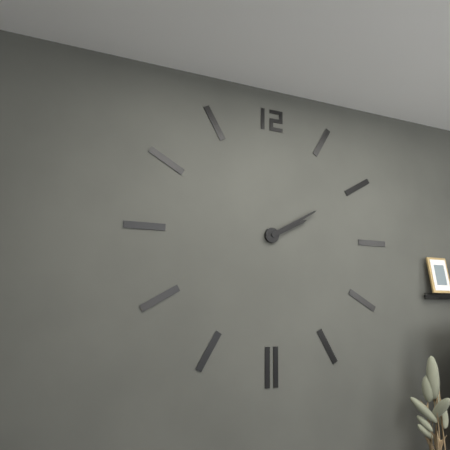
2:10
